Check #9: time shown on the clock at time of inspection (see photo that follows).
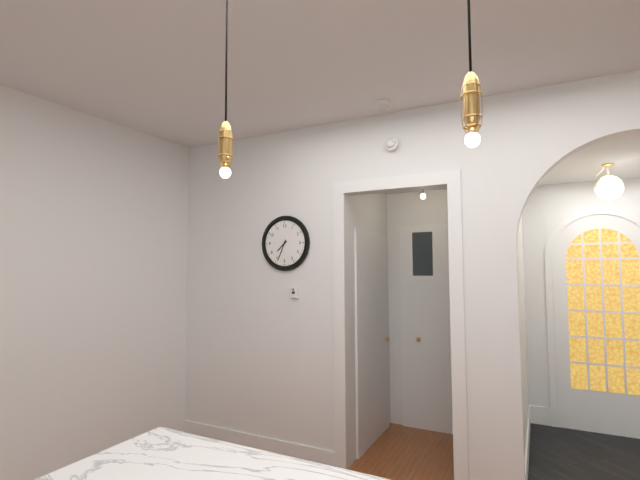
7:34
